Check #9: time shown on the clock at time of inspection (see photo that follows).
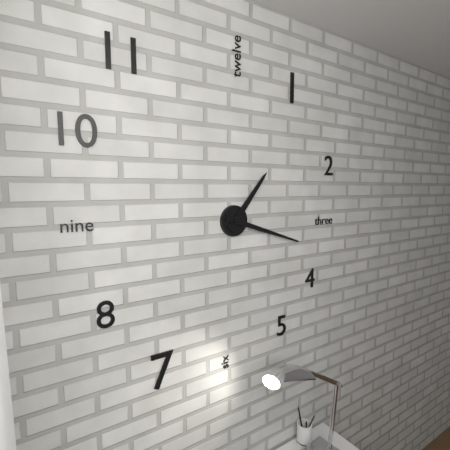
1:18
